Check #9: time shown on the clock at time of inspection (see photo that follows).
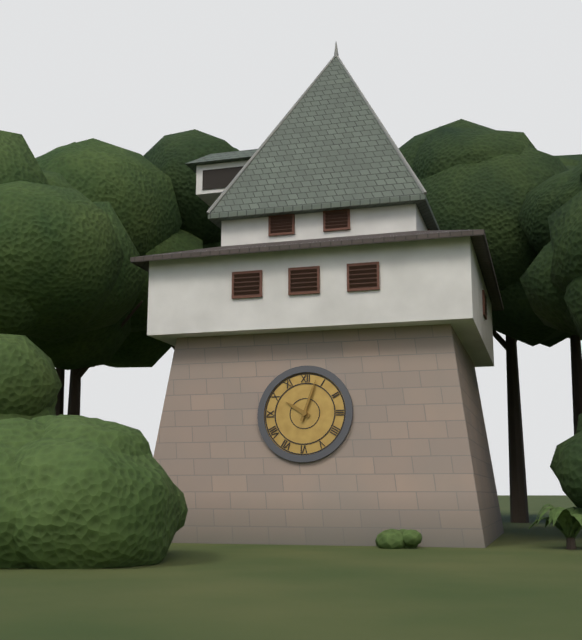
10:03
